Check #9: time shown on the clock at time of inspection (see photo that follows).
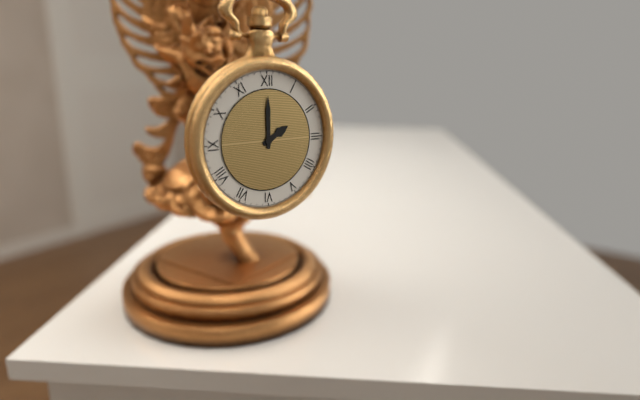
2:00
